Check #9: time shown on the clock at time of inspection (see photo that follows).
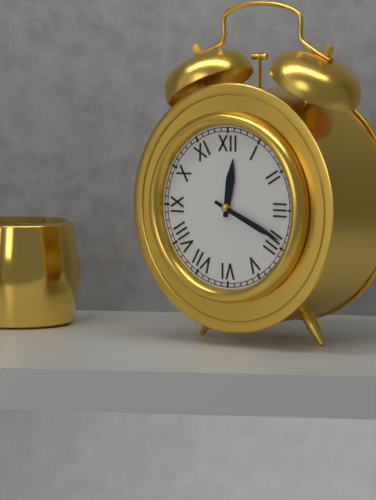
12:19
